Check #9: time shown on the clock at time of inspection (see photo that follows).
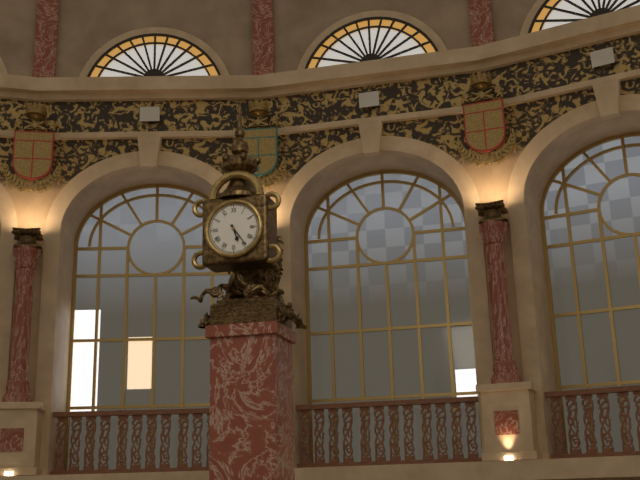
5:24
